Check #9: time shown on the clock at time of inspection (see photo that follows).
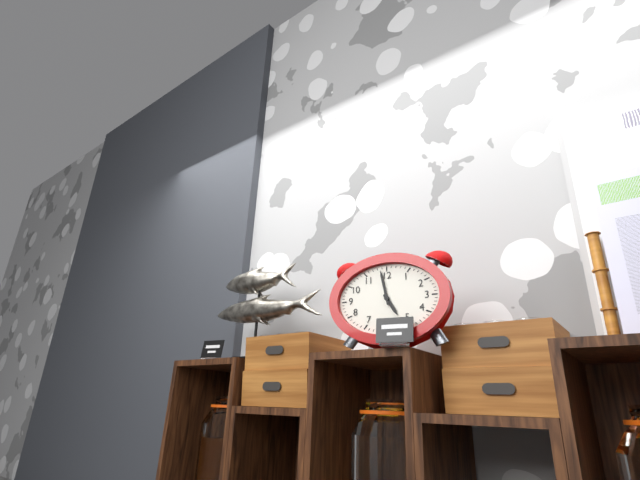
4:58
